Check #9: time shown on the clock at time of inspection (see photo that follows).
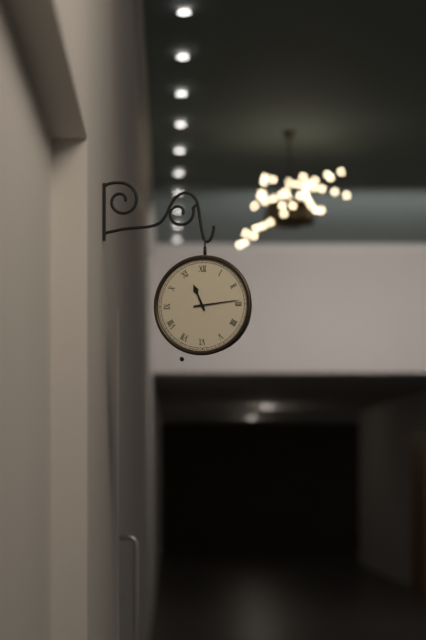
11:14
